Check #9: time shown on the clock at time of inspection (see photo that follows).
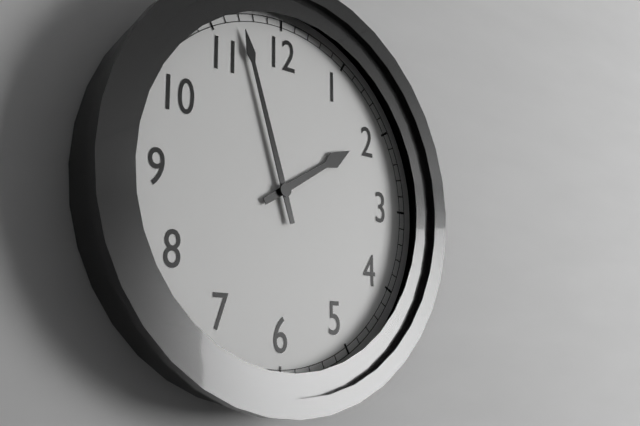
1:57
